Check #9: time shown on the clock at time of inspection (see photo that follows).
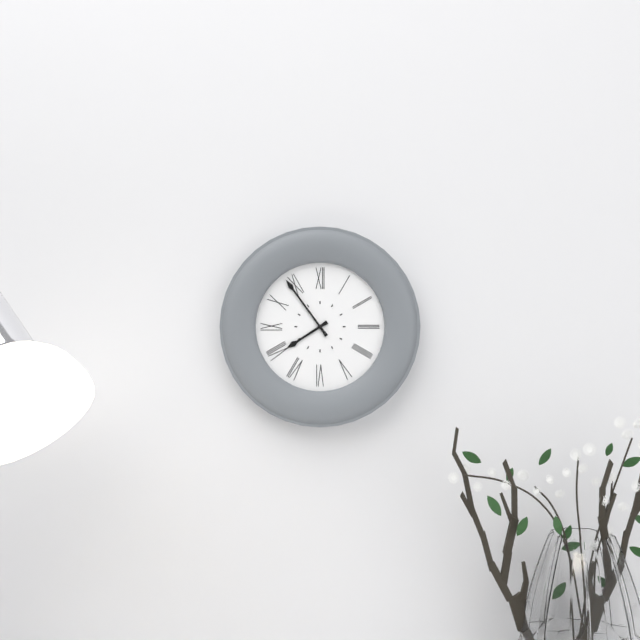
7:54
